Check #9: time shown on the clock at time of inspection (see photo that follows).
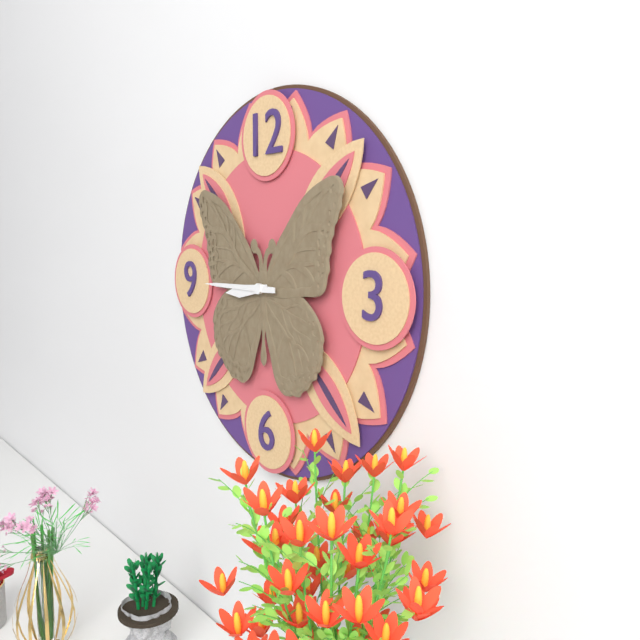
8:45
